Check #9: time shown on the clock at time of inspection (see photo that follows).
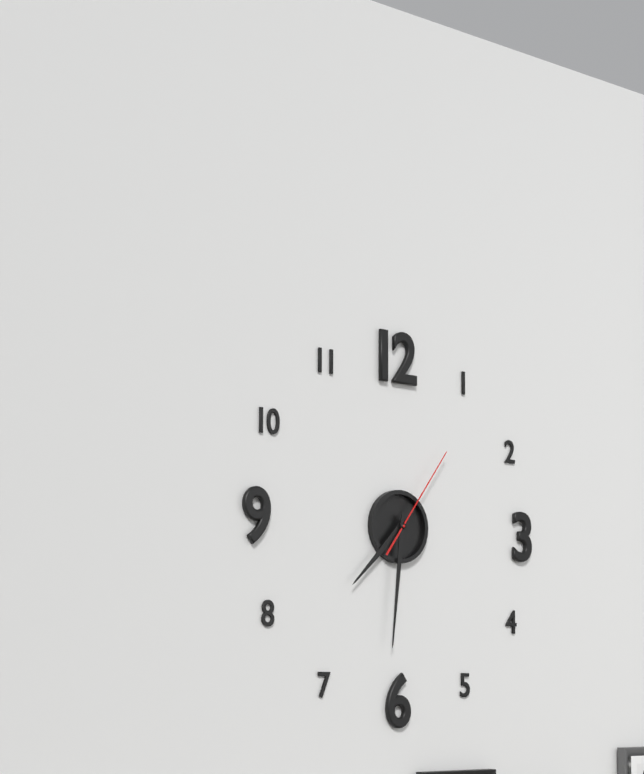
7:31:06
